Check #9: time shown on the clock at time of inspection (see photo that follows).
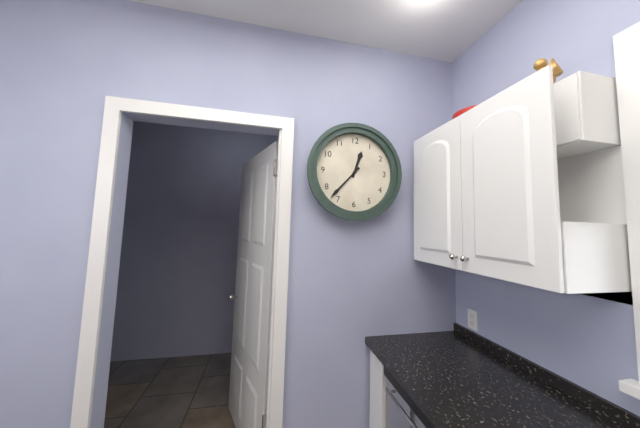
12:37
